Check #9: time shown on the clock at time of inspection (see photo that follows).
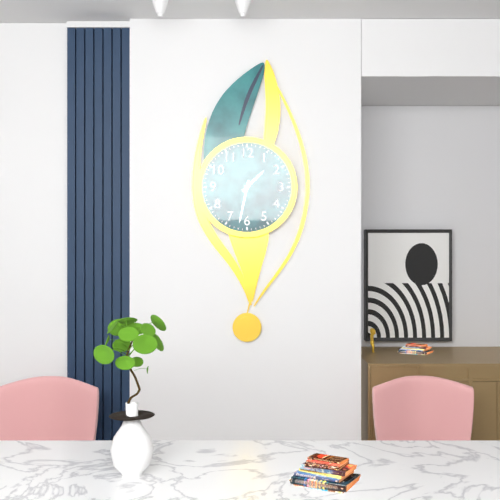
1:32
